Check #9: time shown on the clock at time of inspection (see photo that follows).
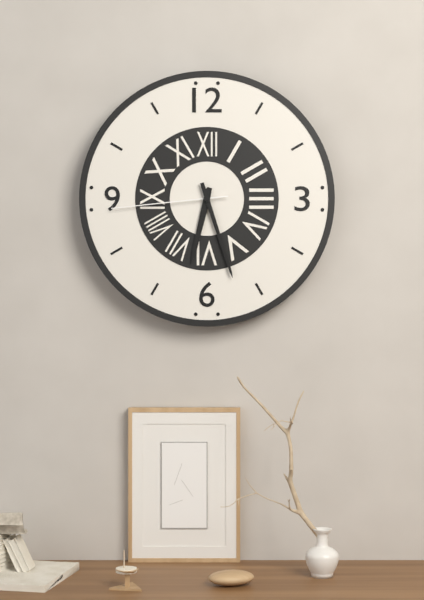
6:27:44
